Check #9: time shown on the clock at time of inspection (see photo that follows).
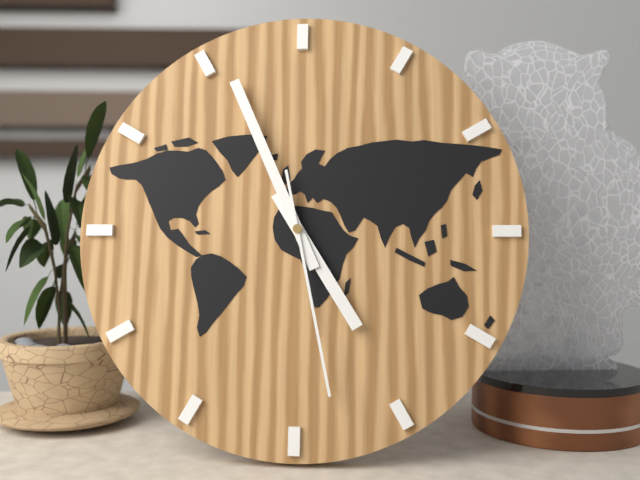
4:56:28
